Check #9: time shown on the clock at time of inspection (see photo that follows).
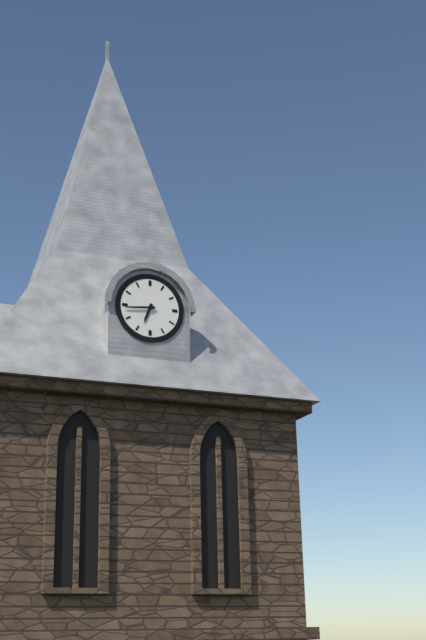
6:44
